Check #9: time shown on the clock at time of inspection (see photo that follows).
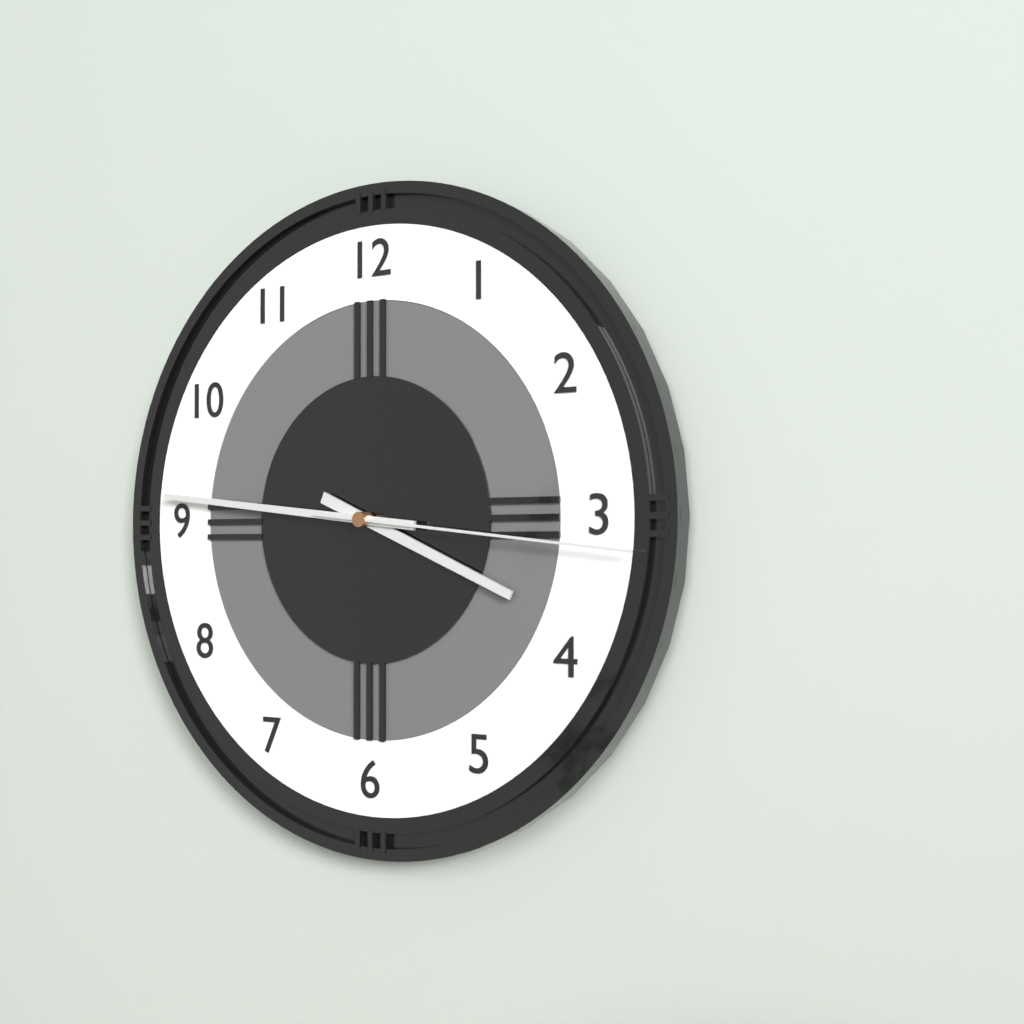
3:46:16
